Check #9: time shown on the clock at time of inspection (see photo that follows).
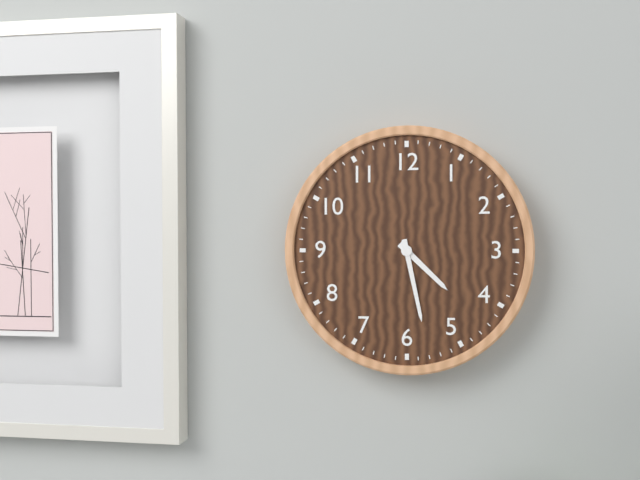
4:28
